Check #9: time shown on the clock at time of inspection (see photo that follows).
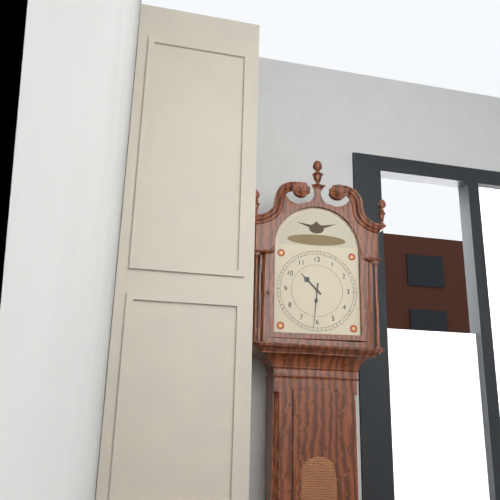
10:31
